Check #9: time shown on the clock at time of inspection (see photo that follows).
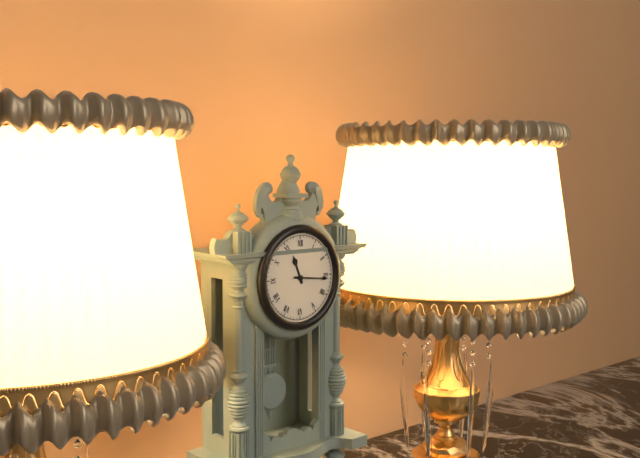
11:16
